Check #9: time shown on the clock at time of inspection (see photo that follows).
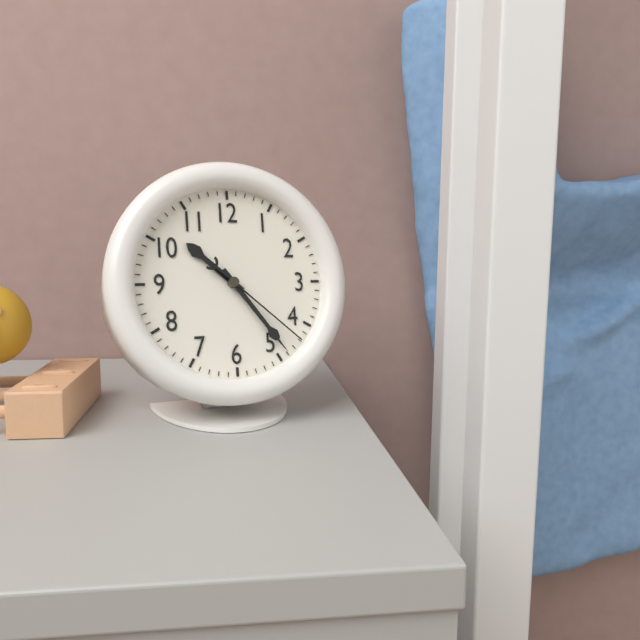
10:24:22
